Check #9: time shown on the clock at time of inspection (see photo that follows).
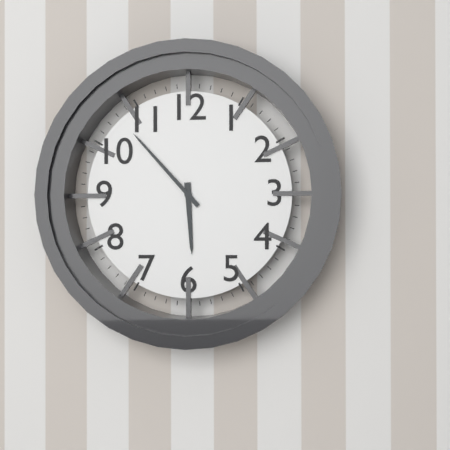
5:53
